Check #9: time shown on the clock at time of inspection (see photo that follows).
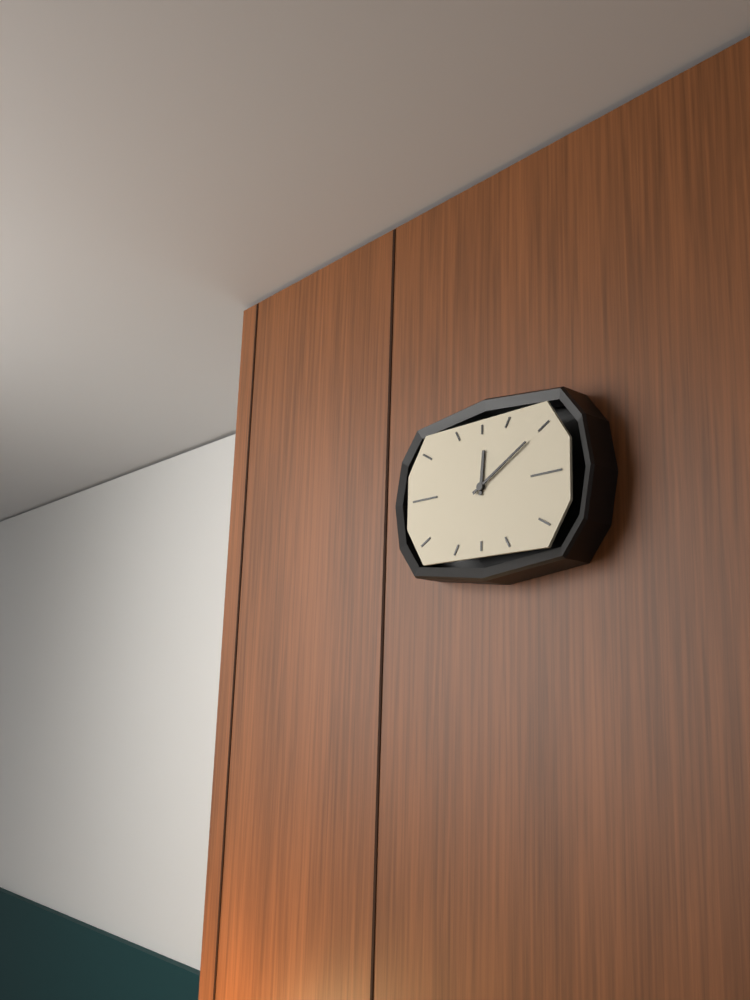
12:10
